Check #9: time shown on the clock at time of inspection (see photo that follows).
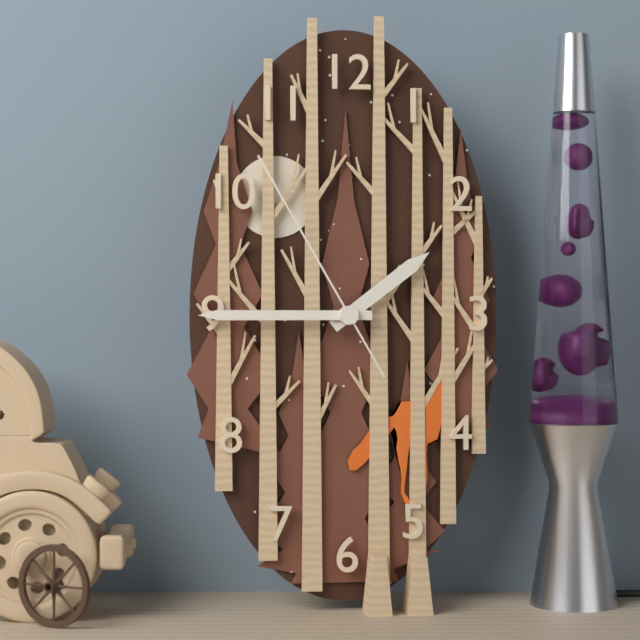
1:45:55
